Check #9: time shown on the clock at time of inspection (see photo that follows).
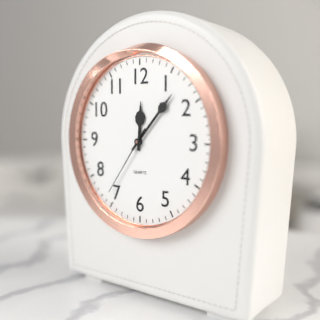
12:07:36
